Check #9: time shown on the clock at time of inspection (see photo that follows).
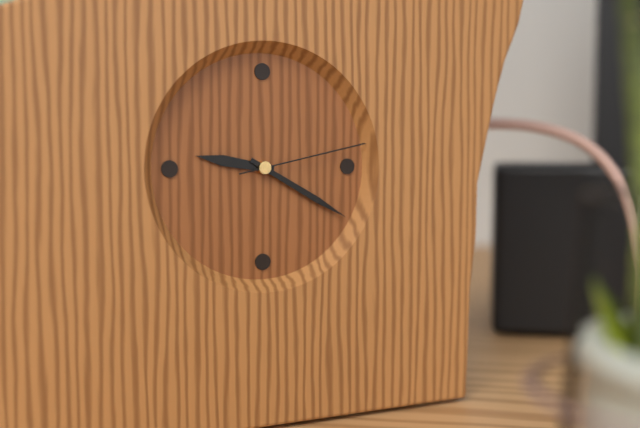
9:20:13
